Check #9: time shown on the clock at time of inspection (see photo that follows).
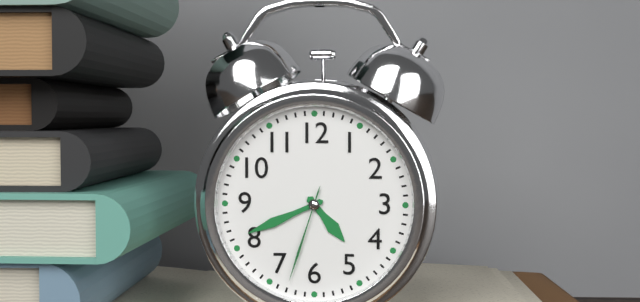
4:41:33
